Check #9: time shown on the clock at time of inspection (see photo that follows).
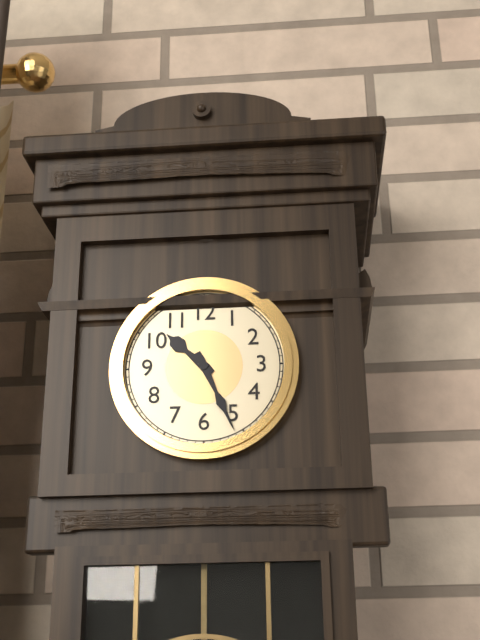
10:26
